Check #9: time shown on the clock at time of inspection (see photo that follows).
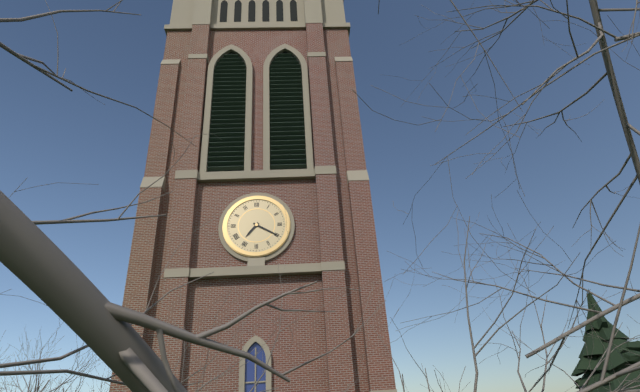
7:20
